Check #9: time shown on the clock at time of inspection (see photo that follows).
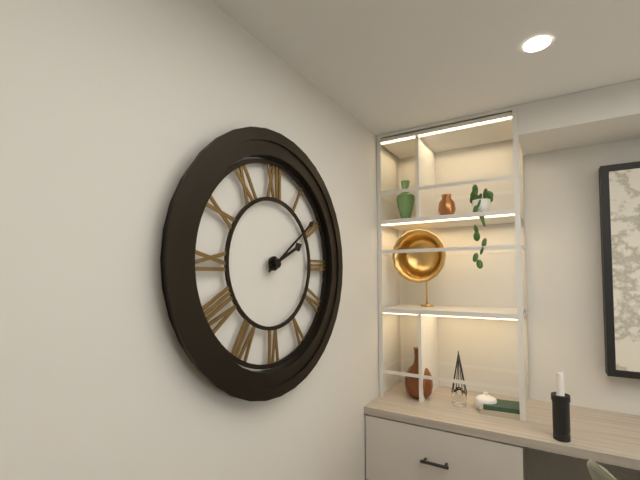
2:09
